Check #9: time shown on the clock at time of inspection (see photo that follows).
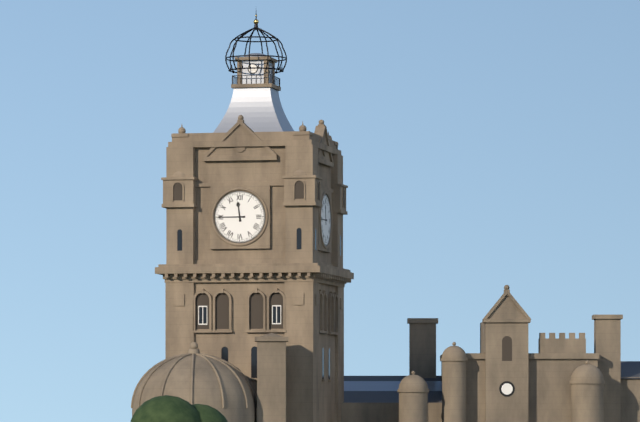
11:45
